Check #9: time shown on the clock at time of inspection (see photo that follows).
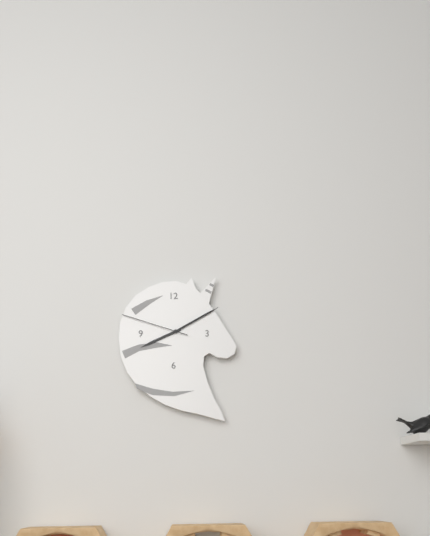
8:10:48
